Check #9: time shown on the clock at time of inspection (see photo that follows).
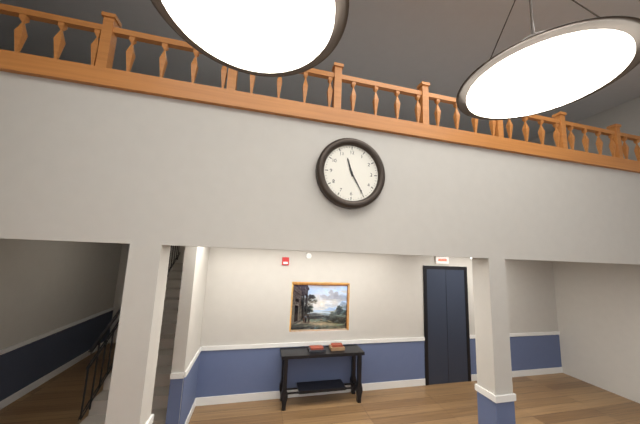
11:25
